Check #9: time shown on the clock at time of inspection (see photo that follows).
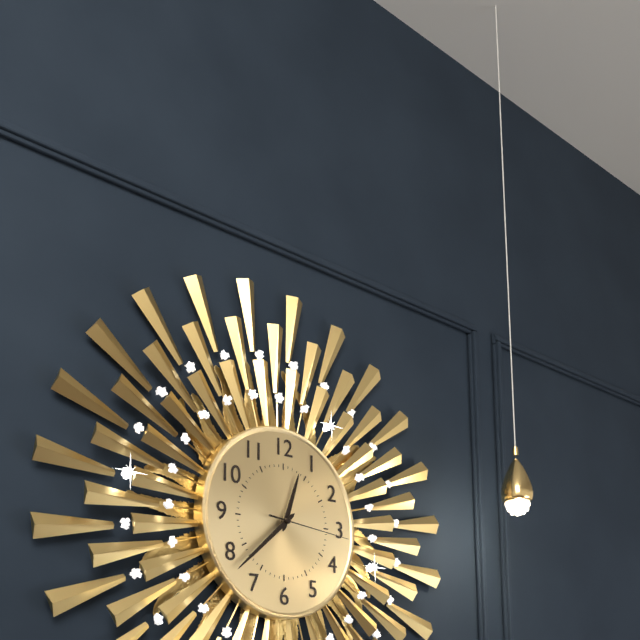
12:38:16
